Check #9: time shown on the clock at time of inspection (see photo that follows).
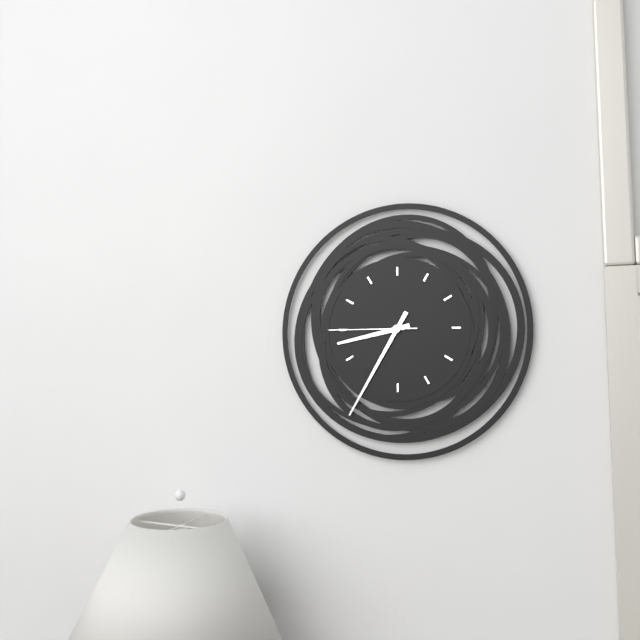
8:35:45
